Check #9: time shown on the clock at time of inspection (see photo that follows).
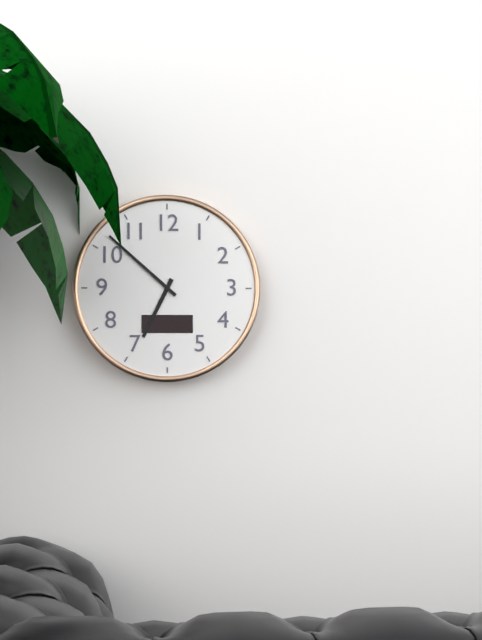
6:52
